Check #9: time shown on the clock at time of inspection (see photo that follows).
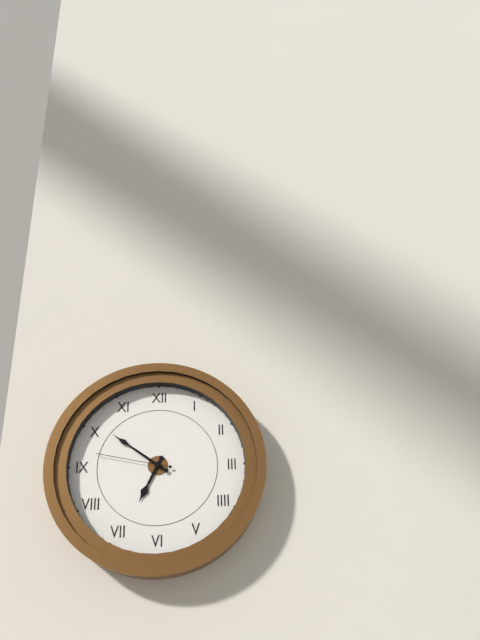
6:51:47
